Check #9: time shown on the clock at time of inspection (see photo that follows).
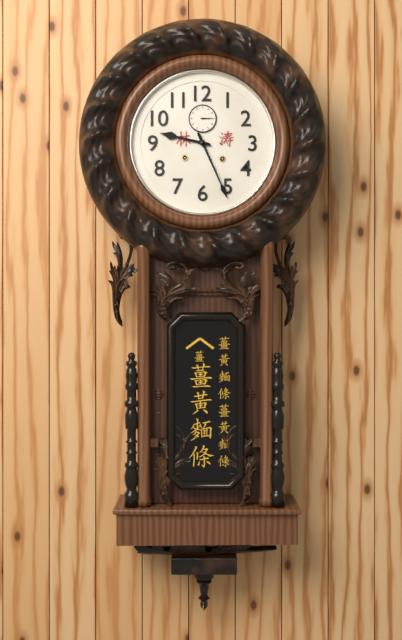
9:26
